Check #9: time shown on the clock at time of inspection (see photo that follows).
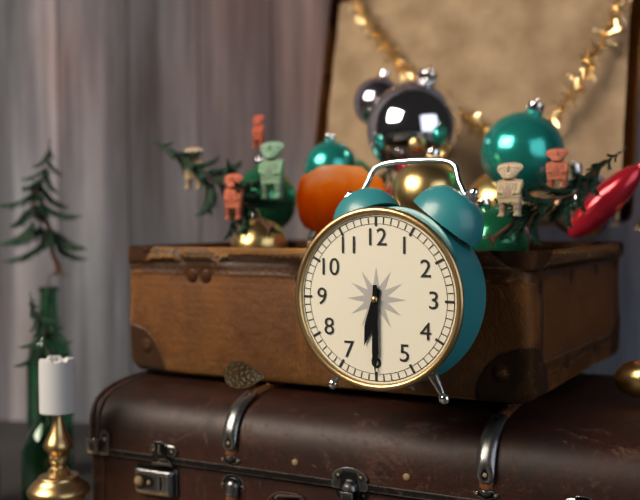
6:30
